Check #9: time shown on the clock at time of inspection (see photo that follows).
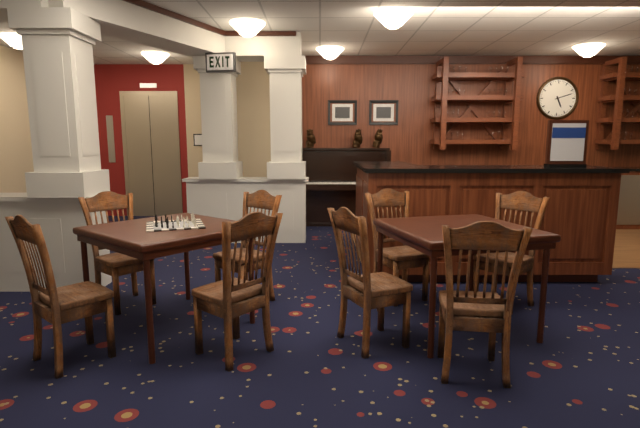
5:12
